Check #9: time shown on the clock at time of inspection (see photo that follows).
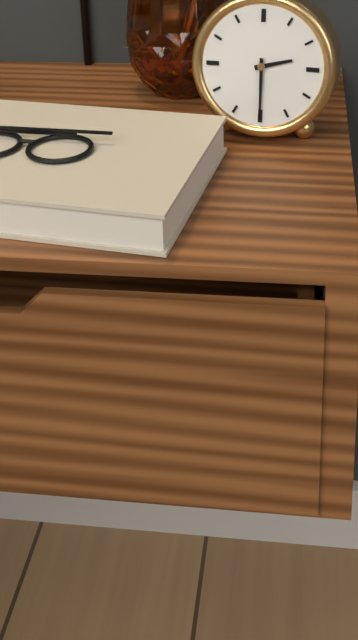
2:30
